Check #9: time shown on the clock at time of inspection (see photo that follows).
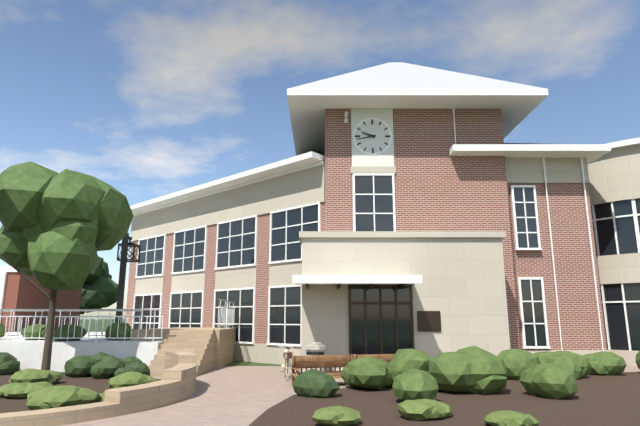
9:43
